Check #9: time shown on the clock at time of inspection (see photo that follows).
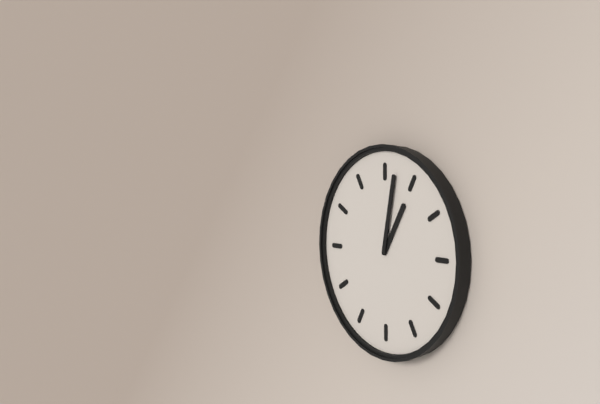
1:02
